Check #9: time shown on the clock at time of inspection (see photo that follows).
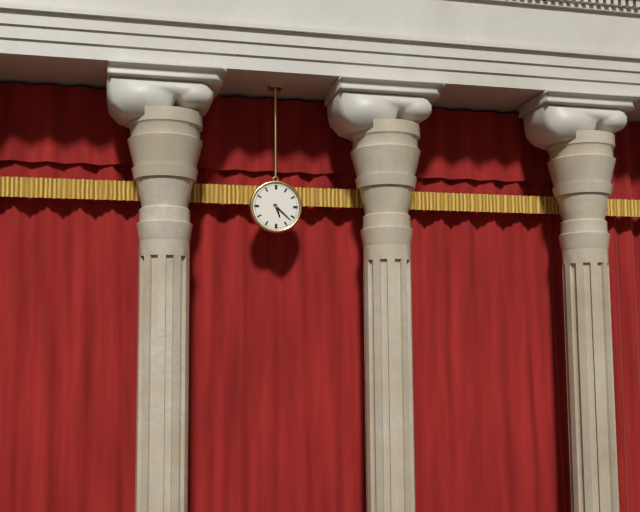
5:22
